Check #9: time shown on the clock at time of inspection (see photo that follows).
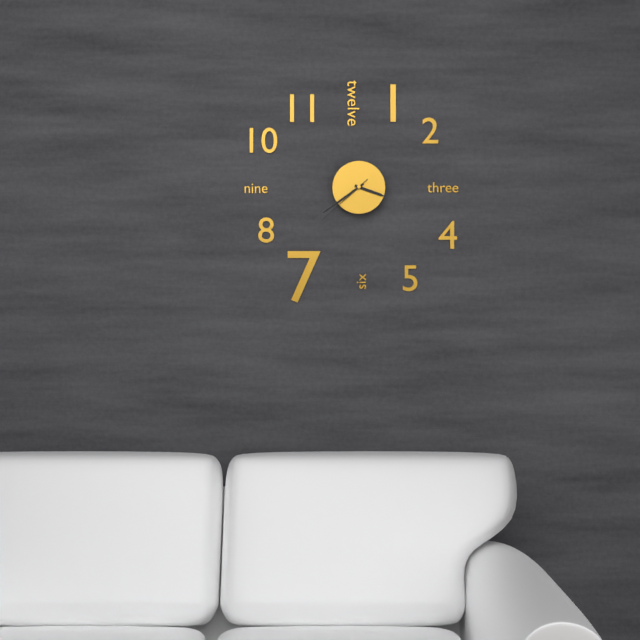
3:39:38
